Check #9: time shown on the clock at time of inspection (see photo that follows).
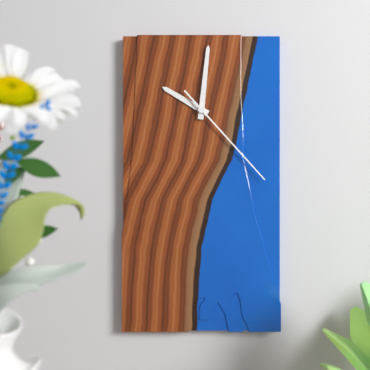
10:01:23
